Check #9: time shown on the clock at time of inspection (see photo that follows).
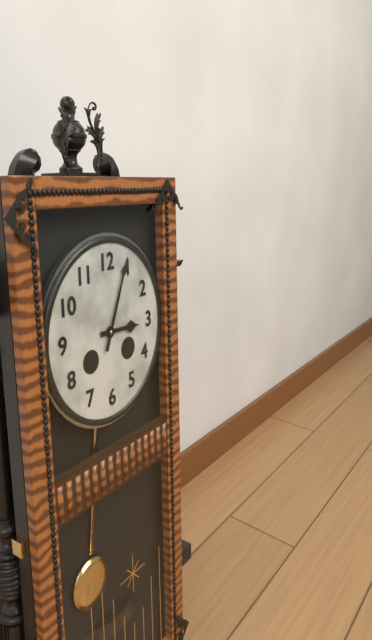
3:04
